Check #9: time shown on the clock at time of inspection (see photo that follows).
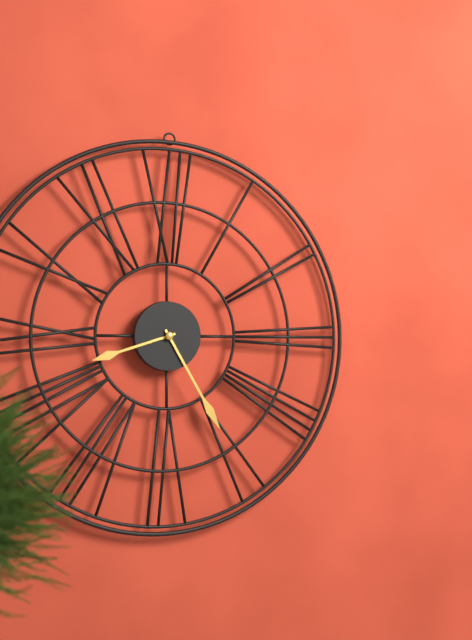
8:25
